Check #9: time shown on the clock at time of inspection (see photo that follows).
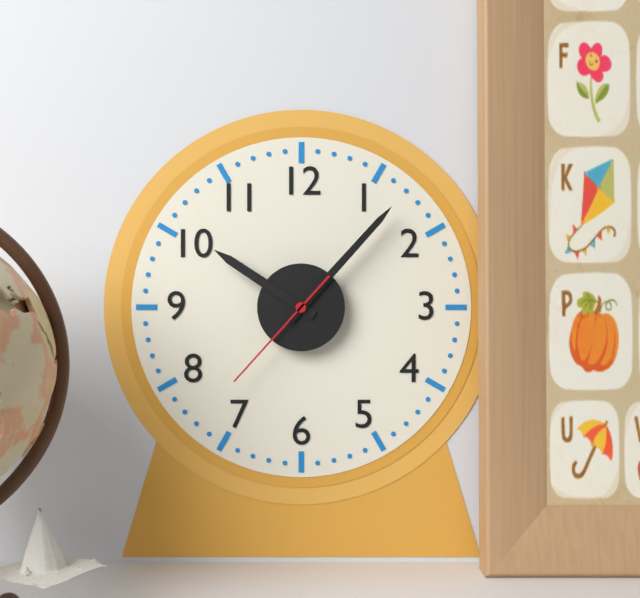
10:07:37
